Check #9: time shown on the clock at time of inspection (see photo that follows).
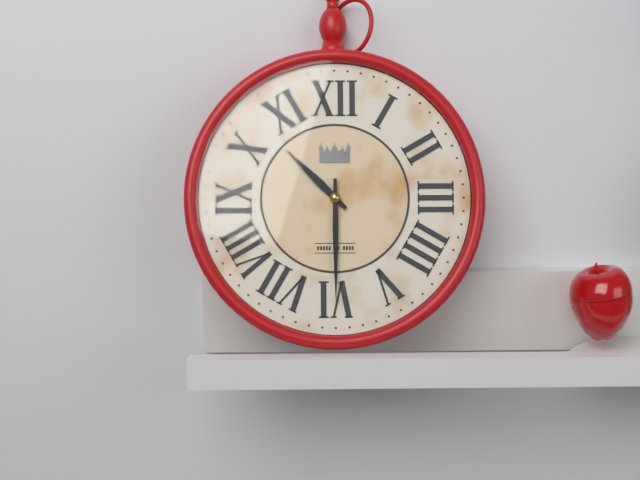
10:30
